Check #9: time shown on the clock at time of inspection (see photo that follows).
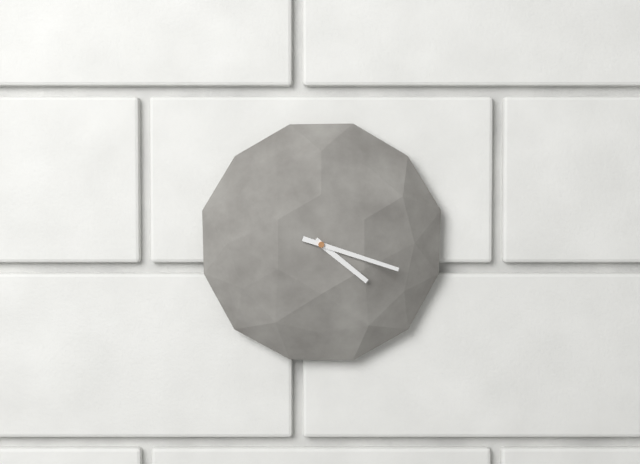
4:18
